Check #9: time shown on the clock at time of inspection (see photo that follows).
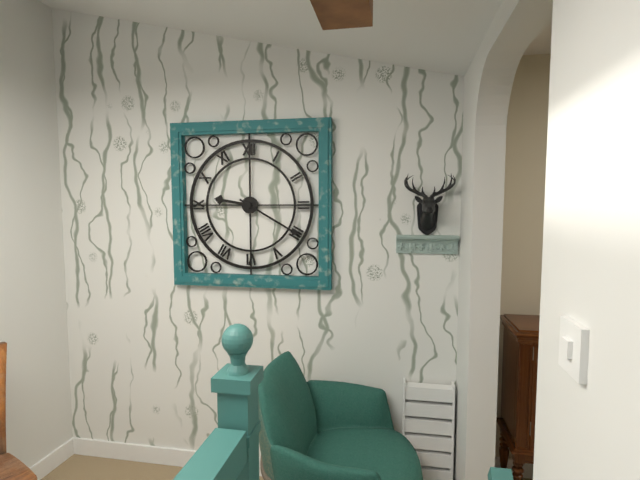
9:20
